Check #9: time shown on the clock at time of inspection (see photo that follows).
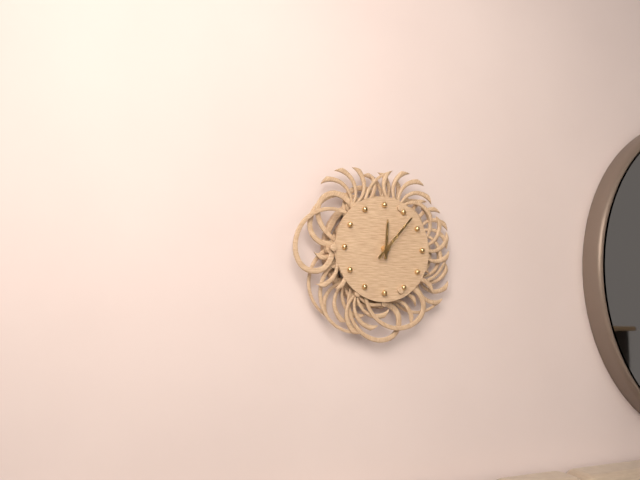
12:07
